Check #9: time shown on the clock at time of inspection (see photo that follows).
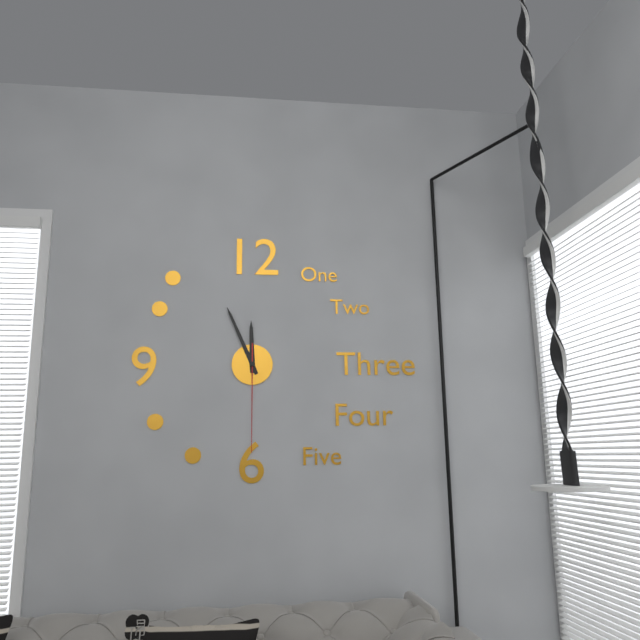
11:56:30
